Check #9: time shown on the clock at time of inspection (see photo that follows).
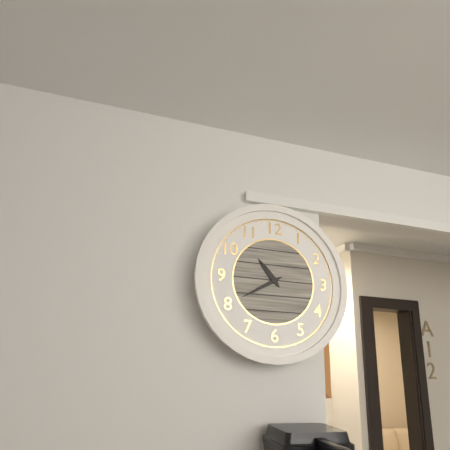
10:40
